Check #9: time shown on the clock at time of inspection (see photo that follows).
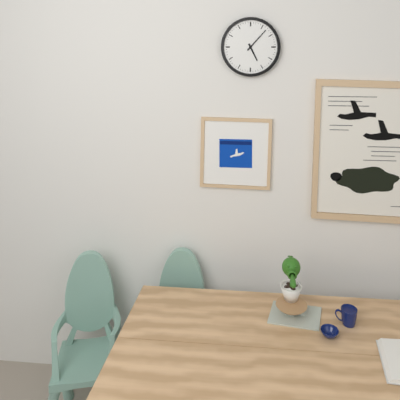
5:07
